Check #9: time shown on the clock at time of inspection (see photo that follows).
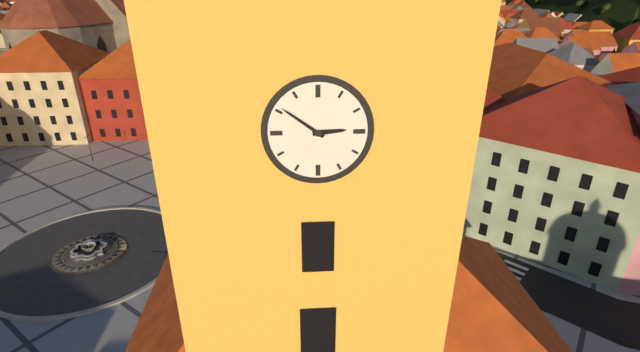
2:51
